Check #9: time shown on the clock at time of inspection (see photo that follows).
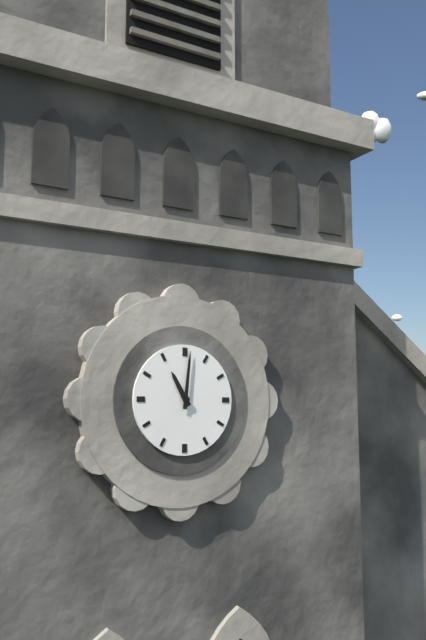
11:01
